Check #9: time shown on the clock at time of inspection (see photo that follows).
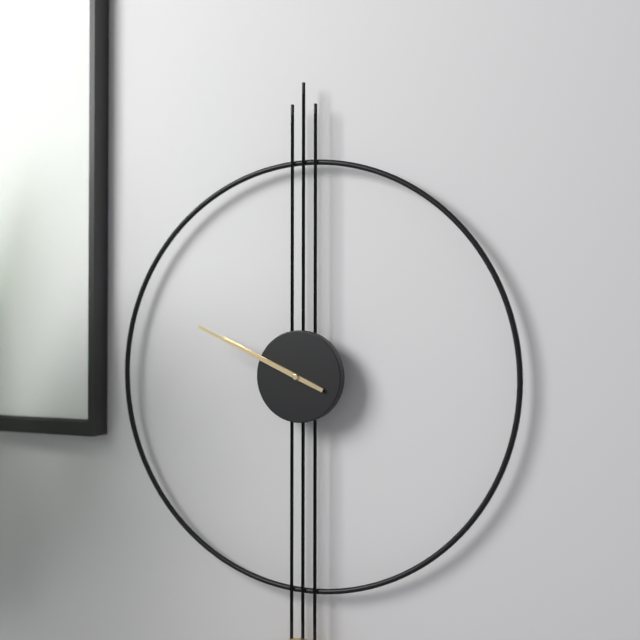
9:49
